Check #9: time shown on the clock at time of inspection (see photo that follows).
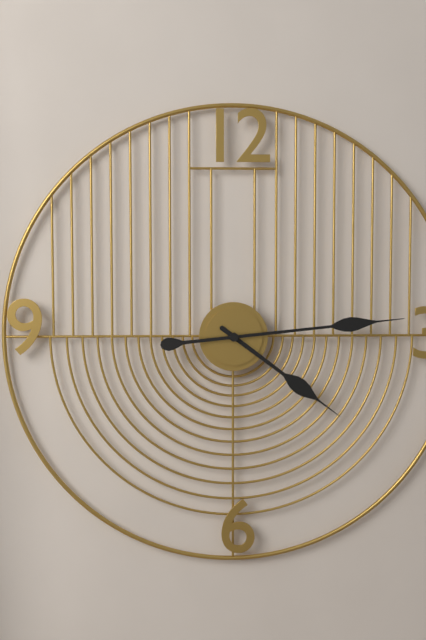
4:14
